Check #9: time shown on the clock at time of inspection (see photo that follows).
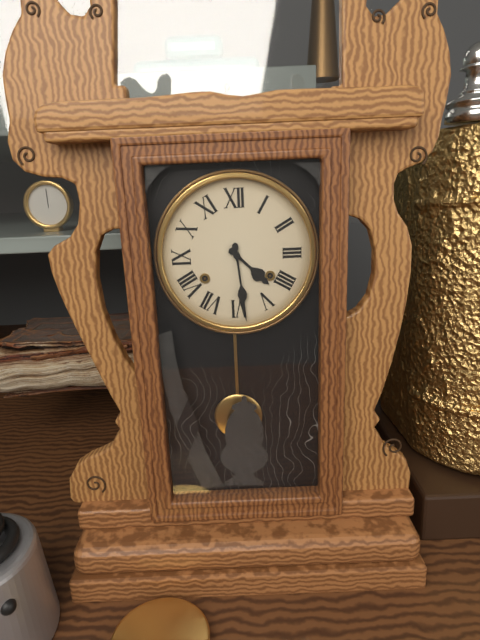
4:29
